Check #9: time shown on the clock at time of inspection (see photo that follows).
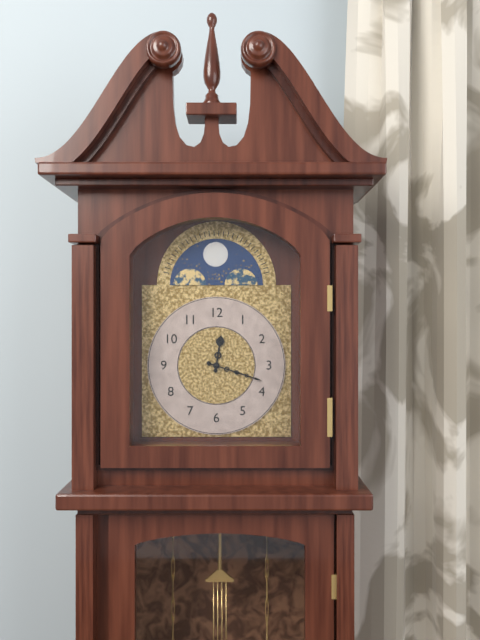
12:18
